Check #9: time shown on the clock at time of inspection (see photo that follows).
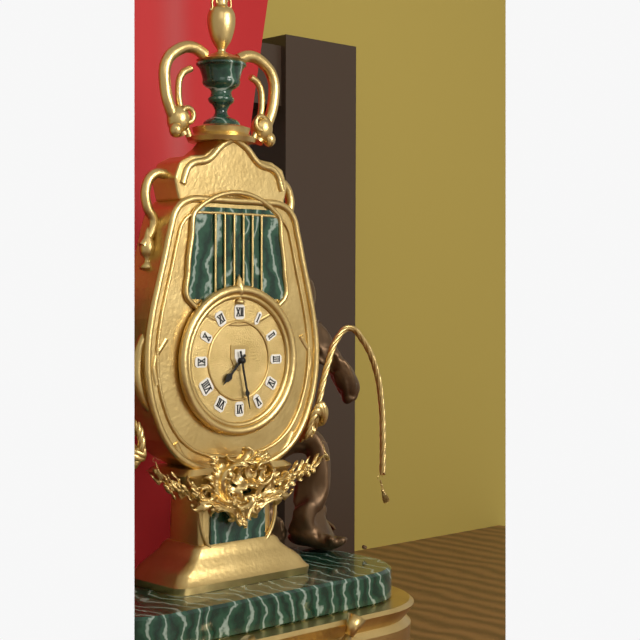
7:28
